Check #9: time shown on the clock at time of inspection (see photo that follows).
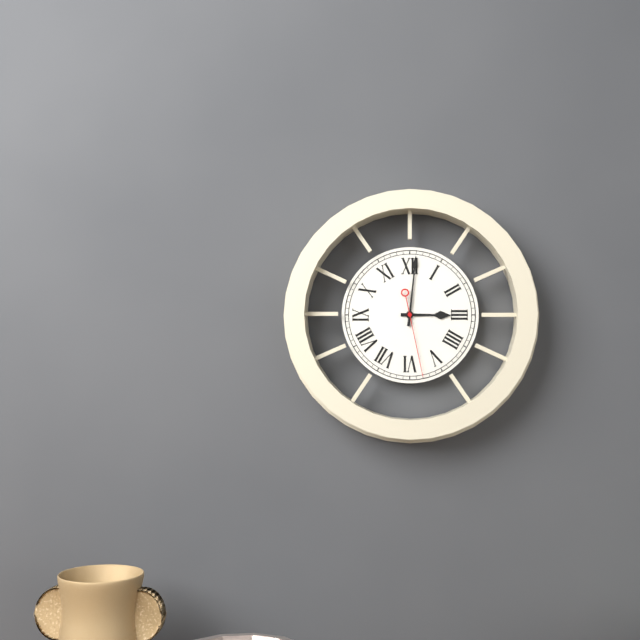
3:01:28
